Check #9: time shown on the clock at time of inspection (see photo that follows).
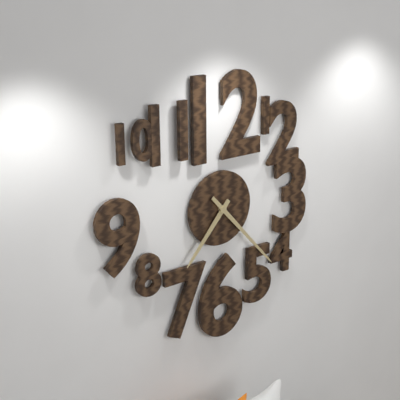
7:23
